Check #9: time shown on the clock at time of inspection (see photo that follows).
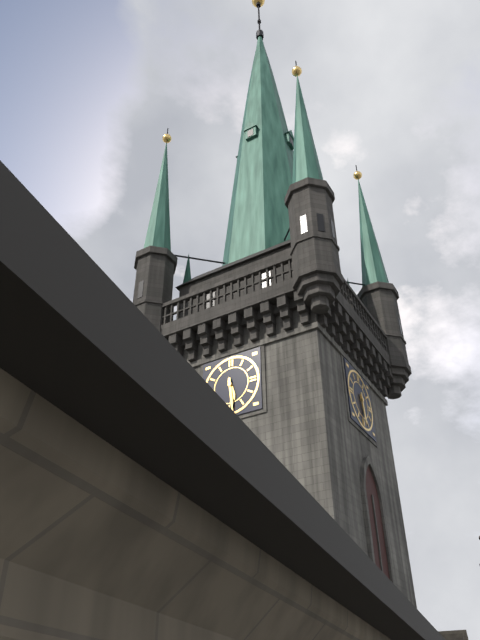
5:29
